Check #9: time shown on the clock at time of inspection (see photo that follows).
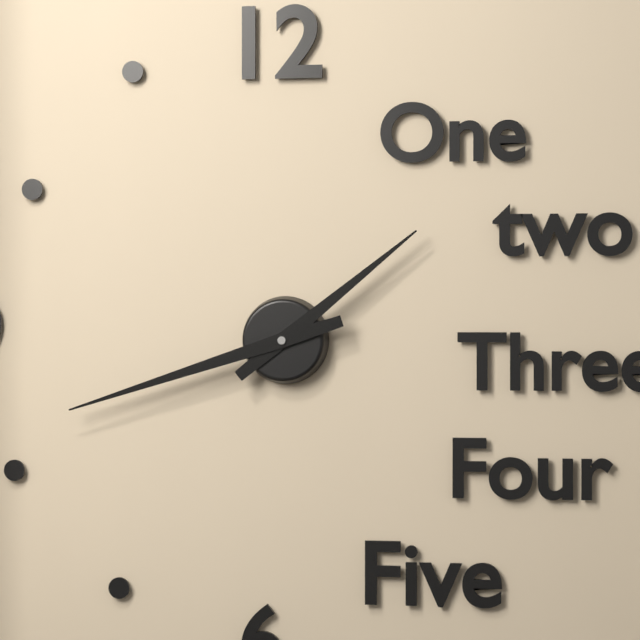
1:42
